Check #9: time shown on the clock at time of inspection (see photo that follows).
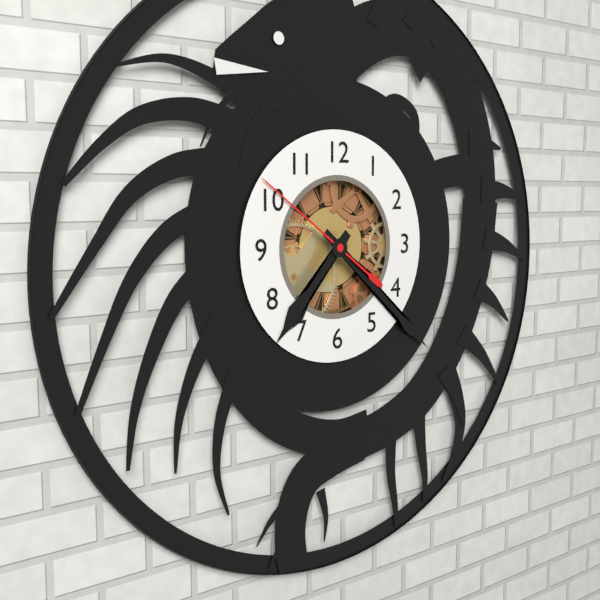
7:22:51
